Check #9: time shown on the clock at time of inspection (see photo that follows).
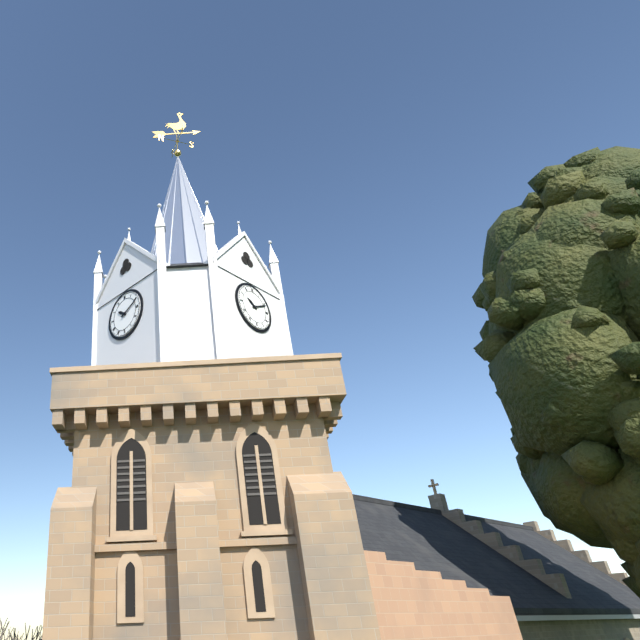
10:11
